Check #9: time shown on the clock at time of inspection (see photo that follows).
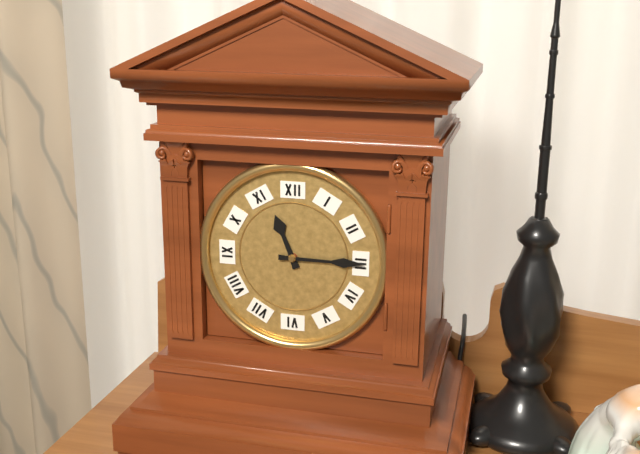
11:15
